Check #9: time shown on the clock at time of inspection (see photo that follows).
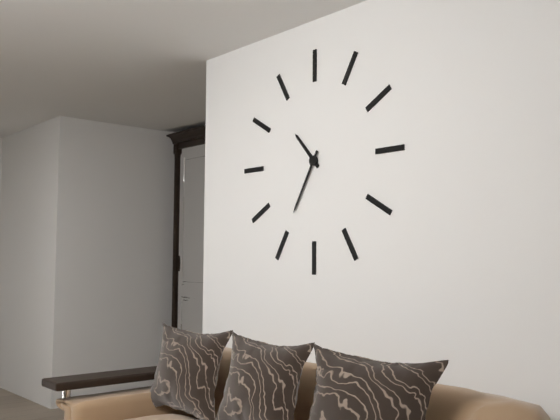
10:35
